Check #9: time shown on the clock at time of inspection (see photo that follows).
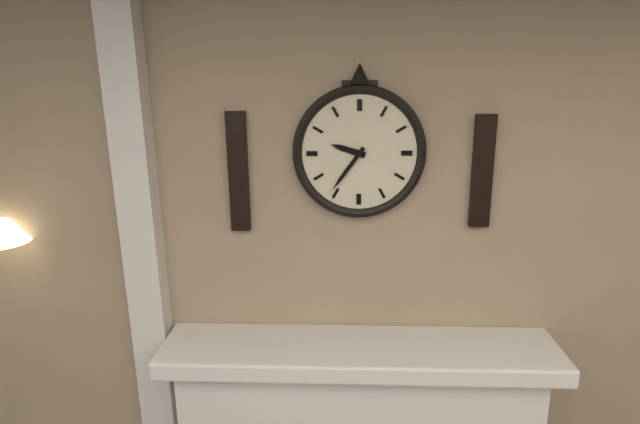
9:36
